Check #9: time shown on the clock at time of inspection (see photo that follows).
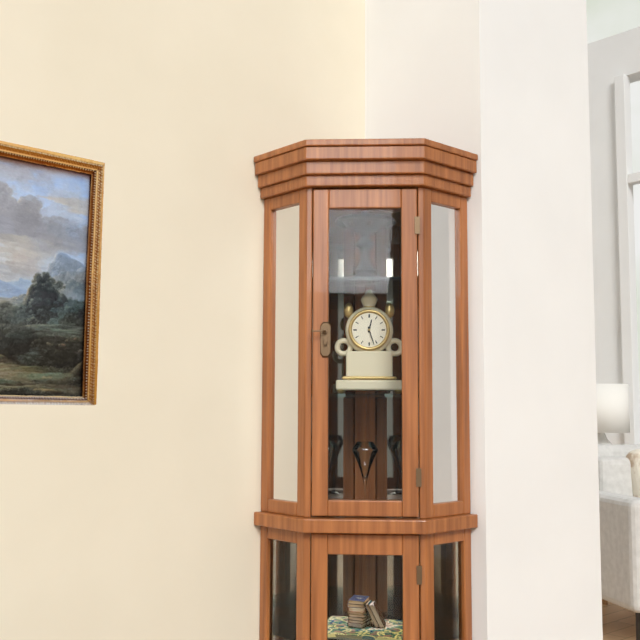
12:27
